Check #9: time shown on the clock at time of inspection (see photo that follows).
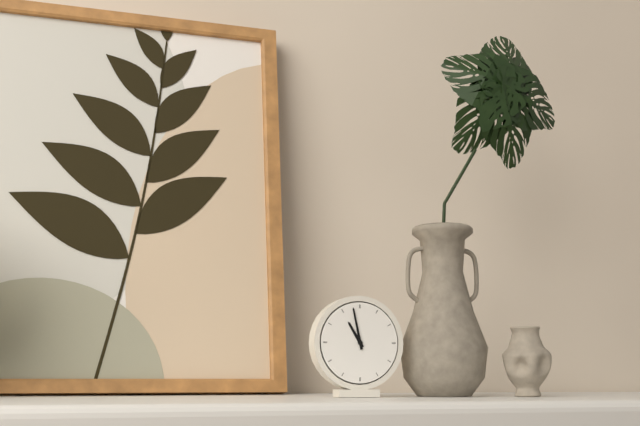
10:58
